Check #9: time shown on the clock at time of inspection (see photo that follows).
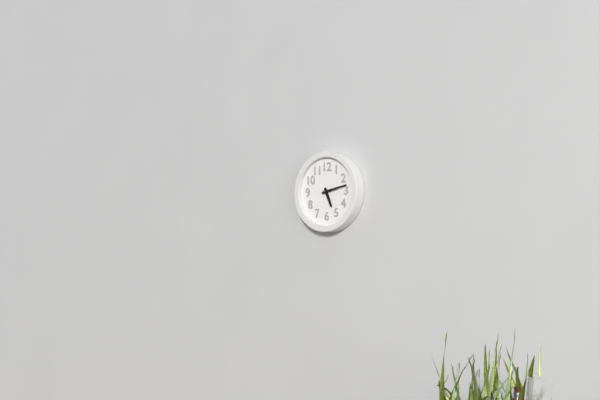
5:13
